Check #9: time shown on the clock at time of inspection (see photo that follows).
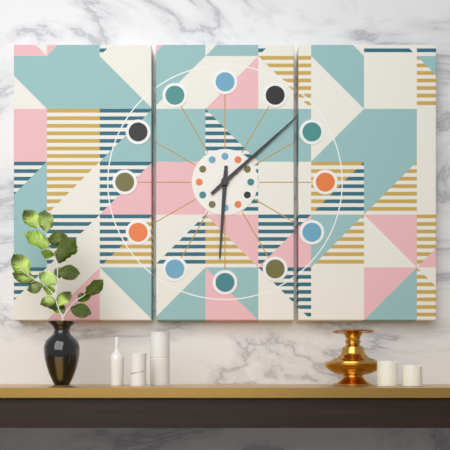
6:08
